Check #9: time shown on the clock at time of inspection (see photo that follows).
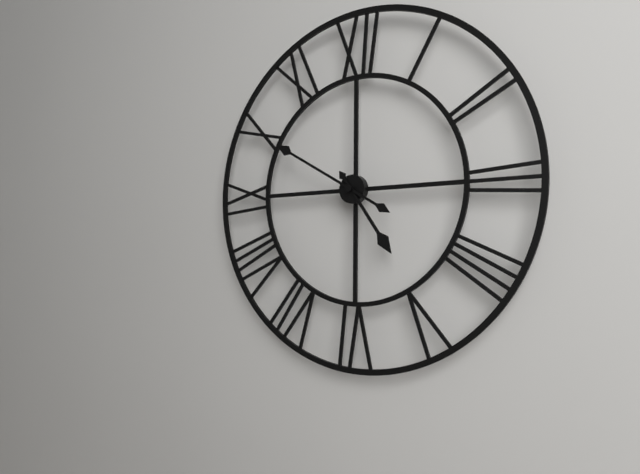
4:50
